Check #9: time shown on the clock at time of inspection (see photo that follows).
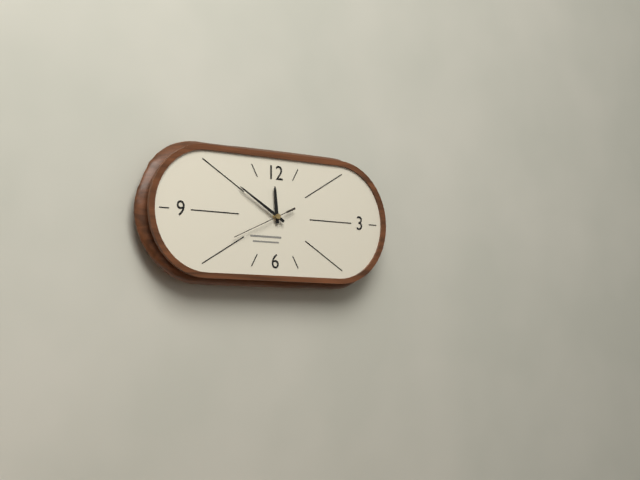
11:50:41
